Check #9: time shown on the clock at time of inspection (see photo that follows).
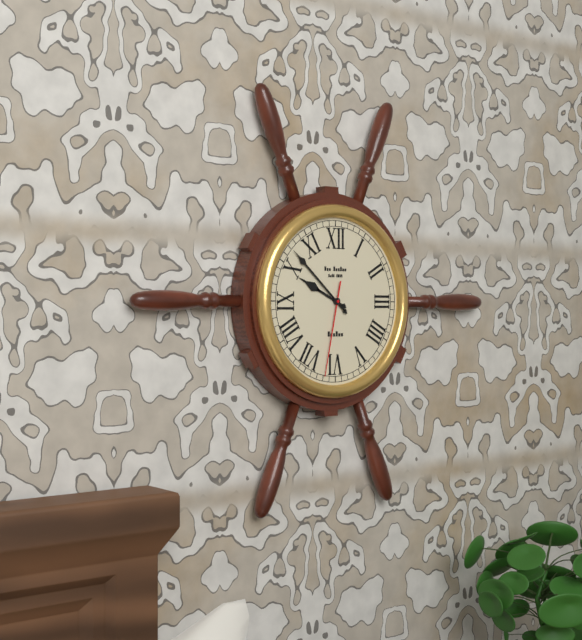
9:52:32
